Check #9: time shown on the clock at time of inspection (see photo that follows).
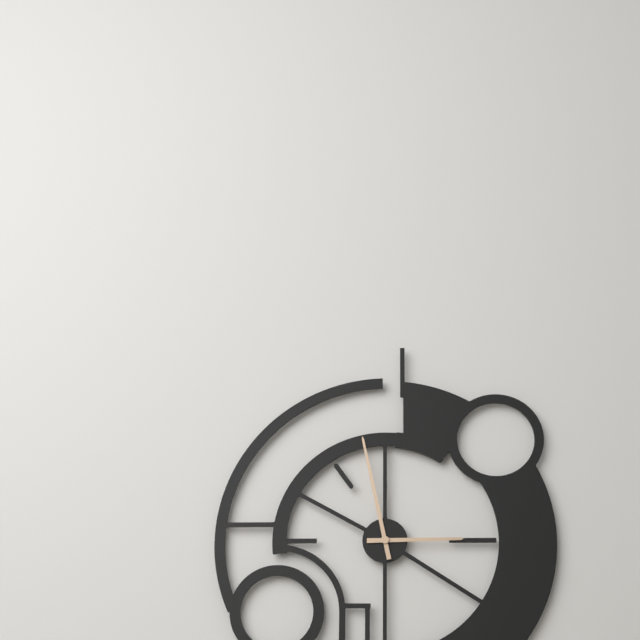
2:58
